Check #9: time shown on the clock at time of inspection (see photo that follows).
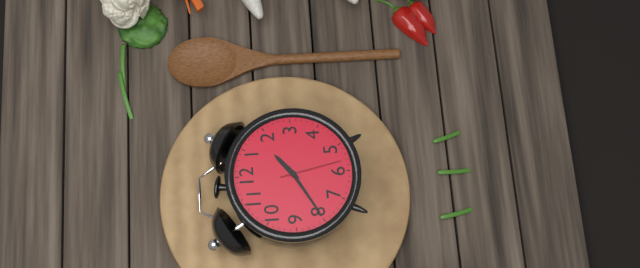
1:40:28
